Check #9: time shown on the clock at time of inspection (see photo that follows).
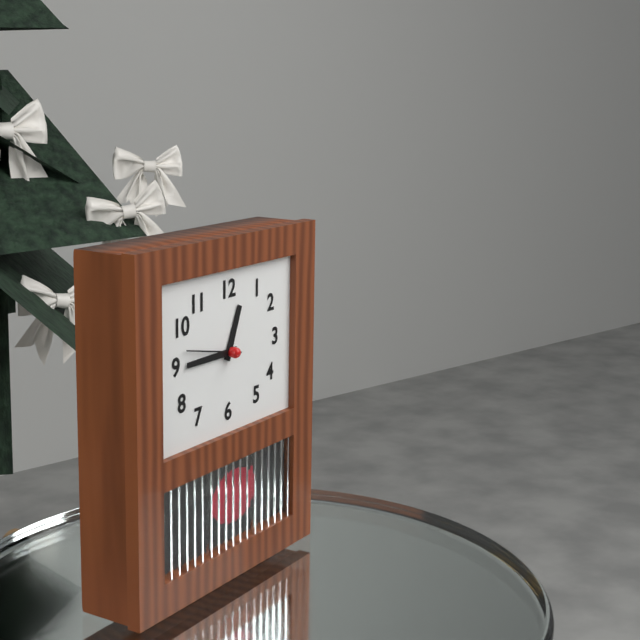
12:45:47
